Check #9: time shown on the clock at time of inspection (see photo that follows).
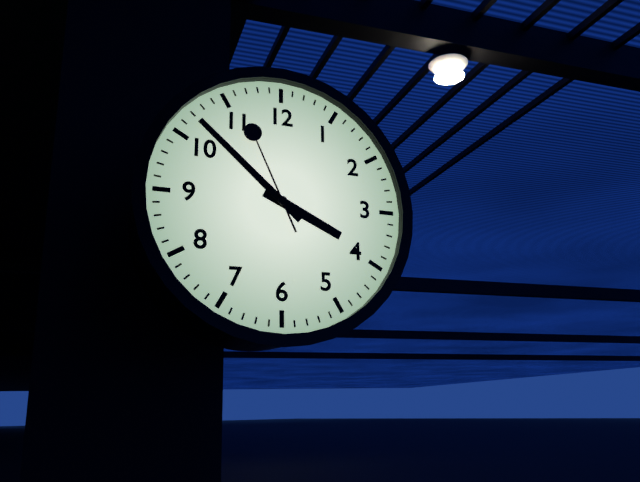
3:52:56
